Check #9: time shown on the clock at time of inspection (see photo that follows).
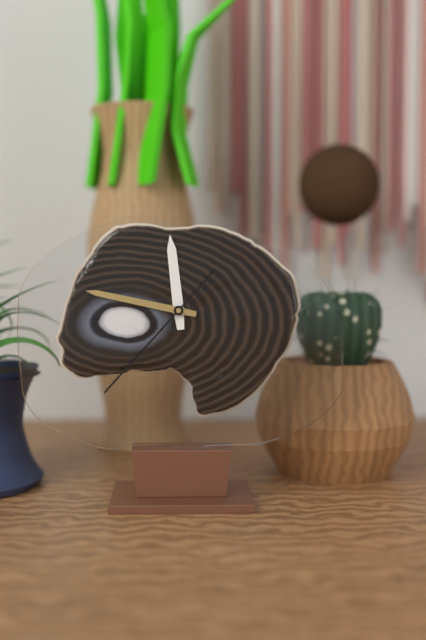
11:47:37
